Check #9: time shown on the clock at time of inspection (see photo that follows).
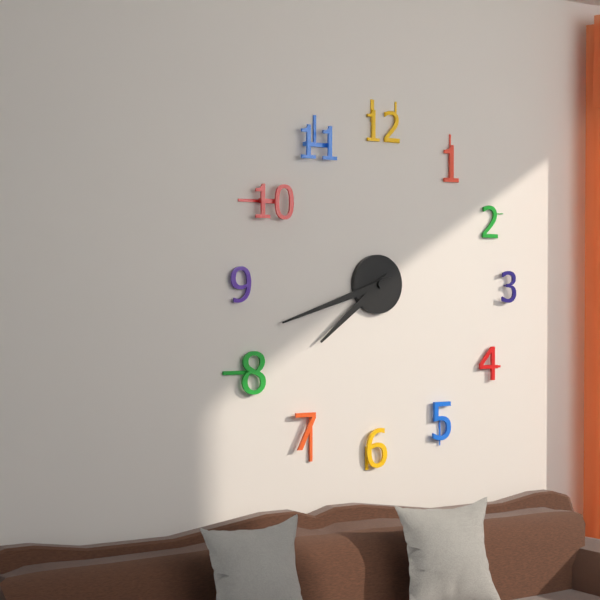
7:42
